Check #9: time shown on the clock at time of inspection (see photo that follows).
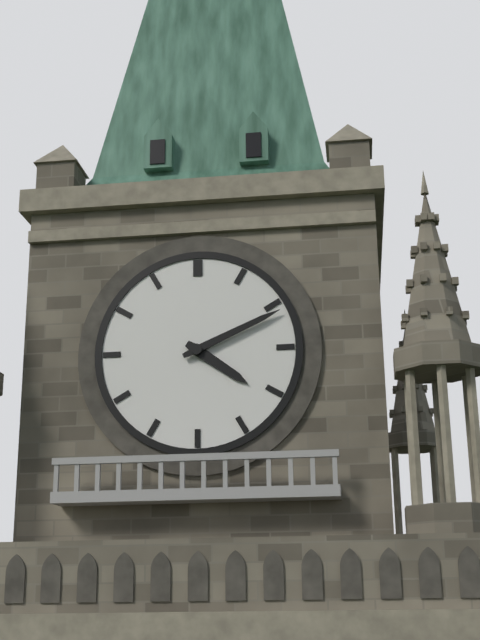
4:11
